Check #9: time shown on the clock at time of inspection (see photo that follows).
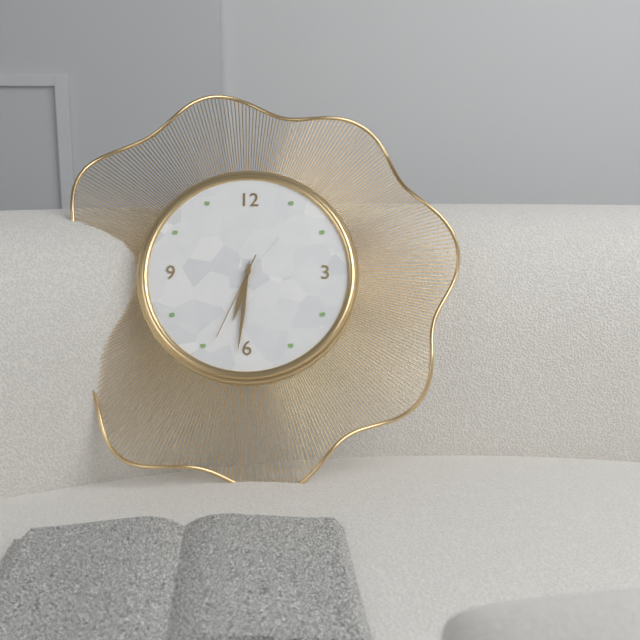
6:31:34
